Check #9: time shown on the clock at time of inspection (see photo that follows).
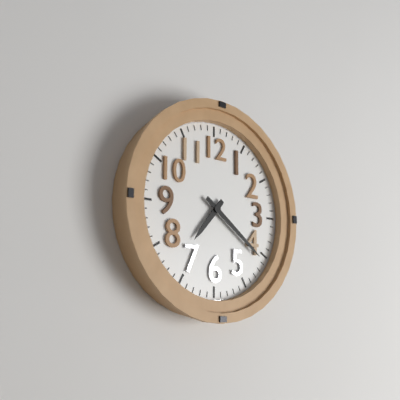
7:21
